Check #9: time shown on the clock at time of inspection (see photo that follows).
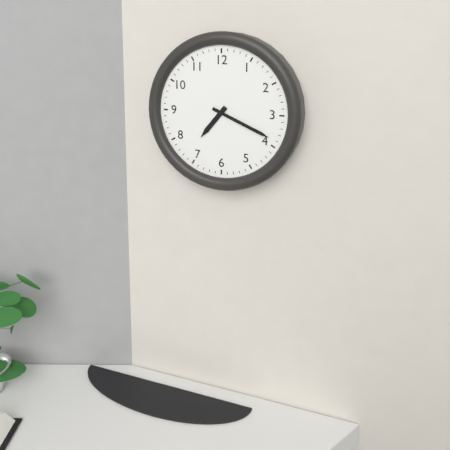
7:19
